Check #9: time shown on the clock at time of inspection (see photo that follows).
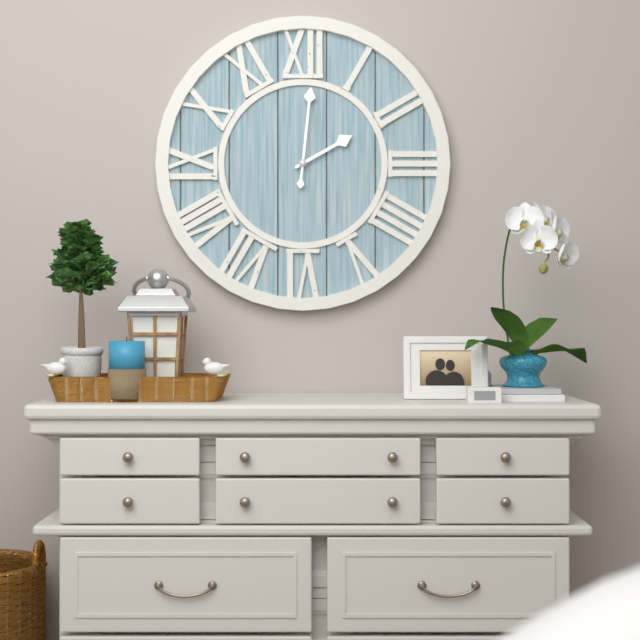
2:01
